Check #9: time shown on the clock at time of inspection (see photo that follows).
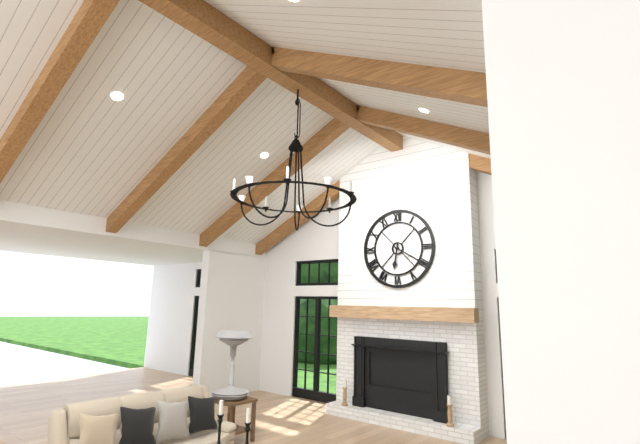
6:20
